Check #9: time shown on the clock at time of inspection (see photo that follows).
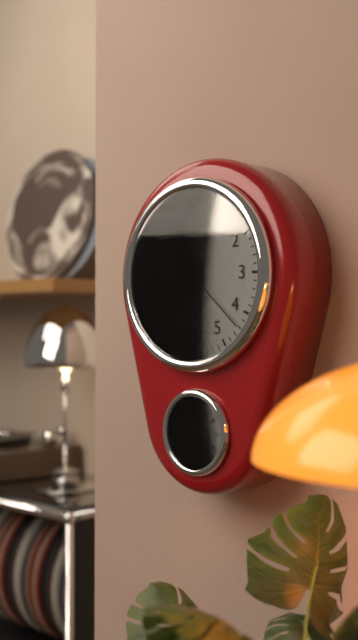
9:39:22
